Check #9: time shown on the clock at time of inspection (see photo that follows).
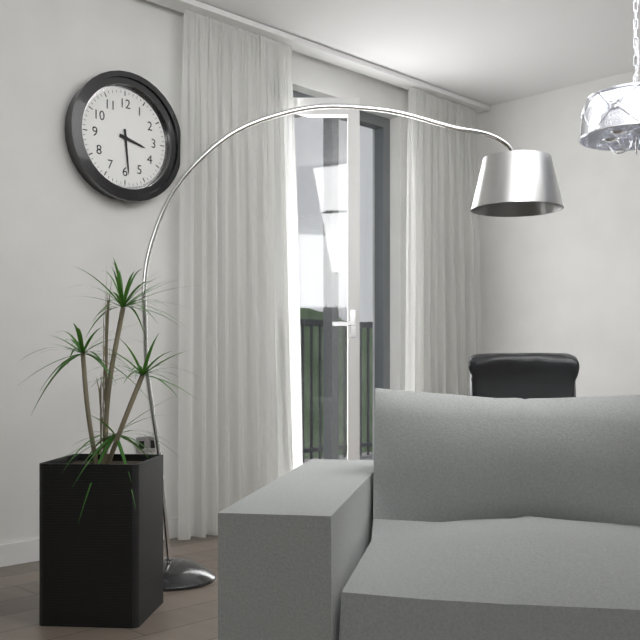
3:29
